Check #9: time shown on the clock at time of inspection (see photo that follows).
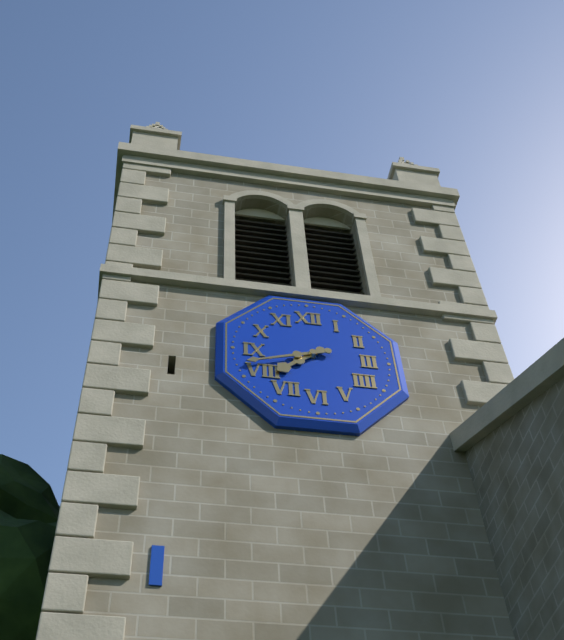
7:42
